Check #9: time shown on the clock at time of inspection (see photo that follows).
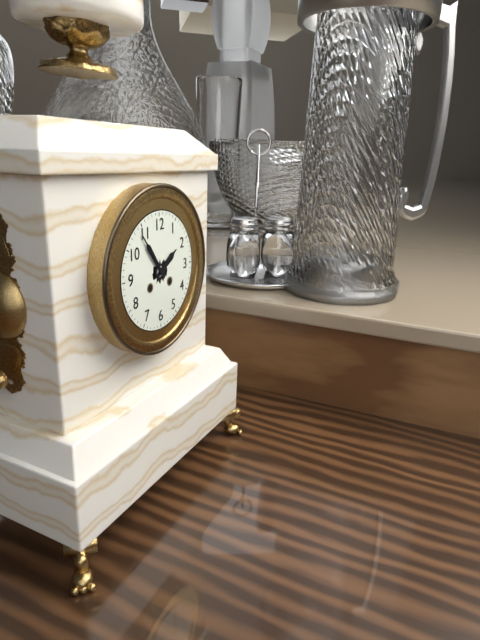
1:54
